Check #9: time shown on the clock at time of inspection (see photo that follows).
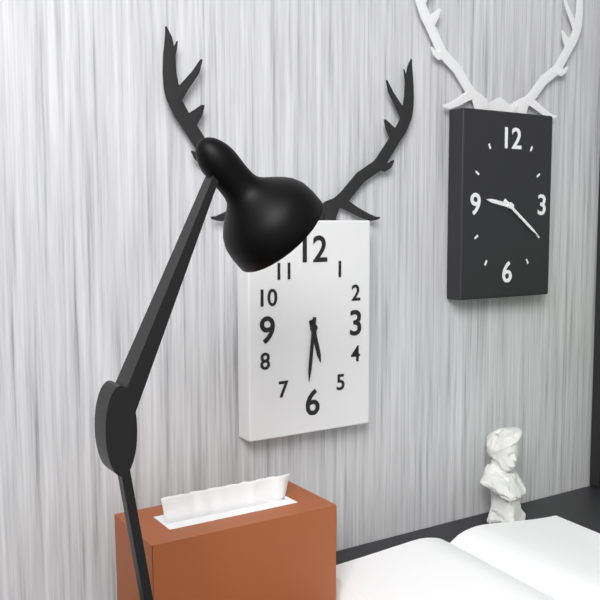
5:31
